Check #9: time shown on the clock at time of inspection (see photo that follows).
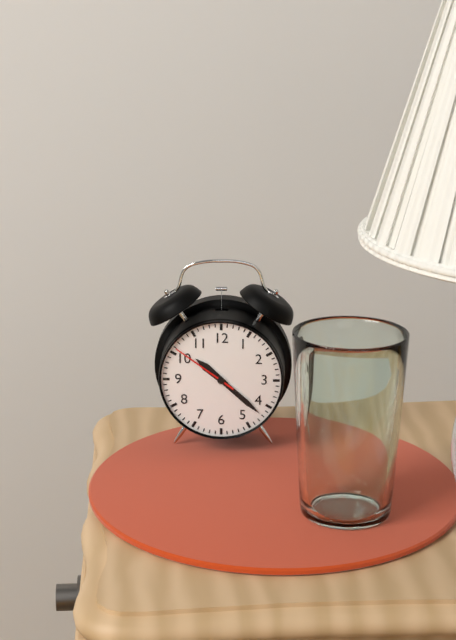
10:22:51
